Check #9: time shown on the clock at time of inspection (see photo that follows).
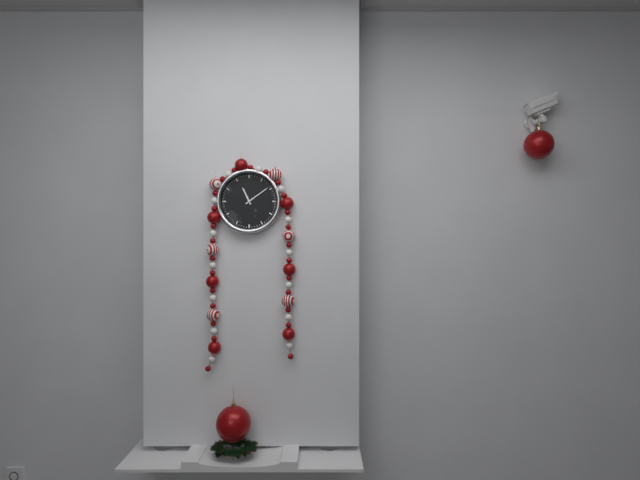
11:09
